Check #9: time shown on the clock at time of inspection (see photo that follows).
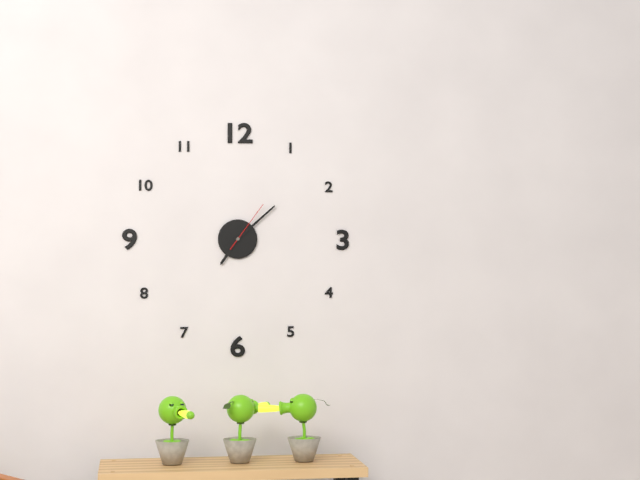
7:08:06
